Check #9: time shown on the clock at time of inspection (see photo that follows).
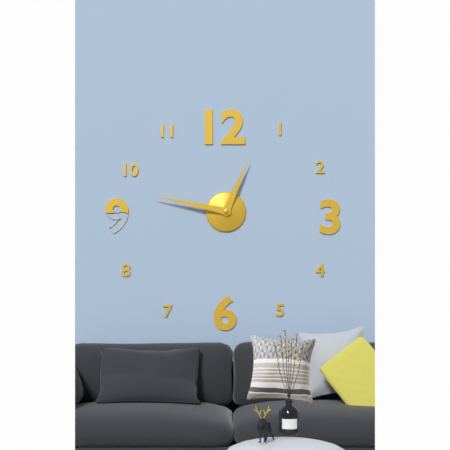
12:47
